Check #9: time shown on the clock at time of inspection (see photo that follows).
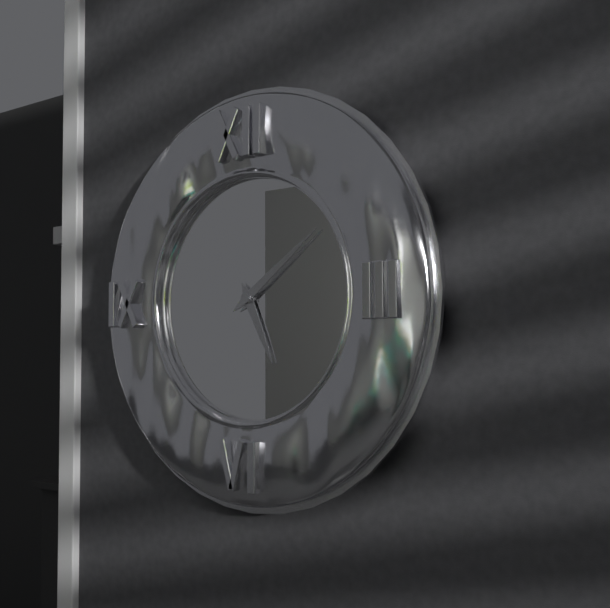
5:09
